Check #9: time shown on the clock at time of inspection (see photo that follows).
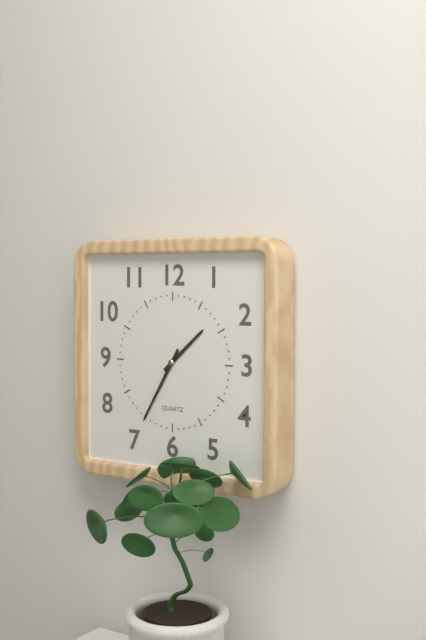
1:35
